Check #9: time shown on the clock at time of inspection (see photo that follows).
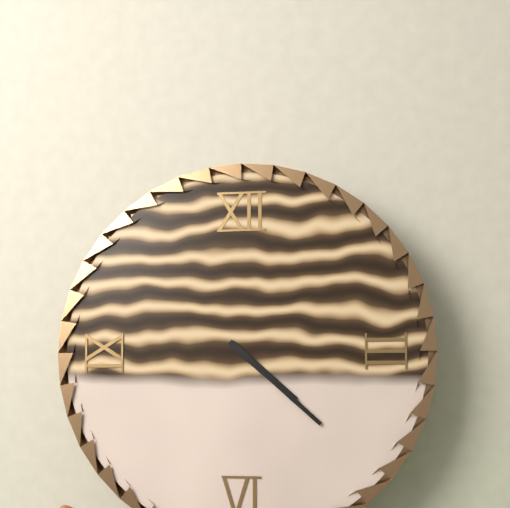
4:22
